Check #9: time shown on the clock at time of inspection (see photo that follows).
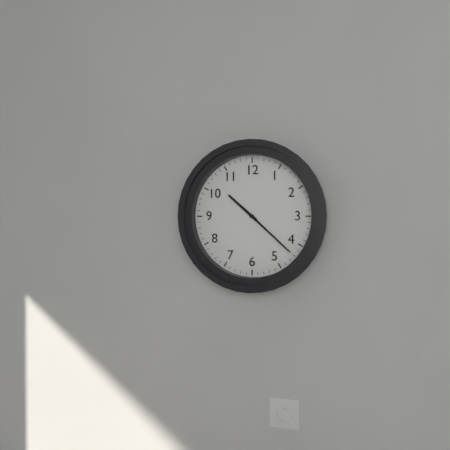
10:22
